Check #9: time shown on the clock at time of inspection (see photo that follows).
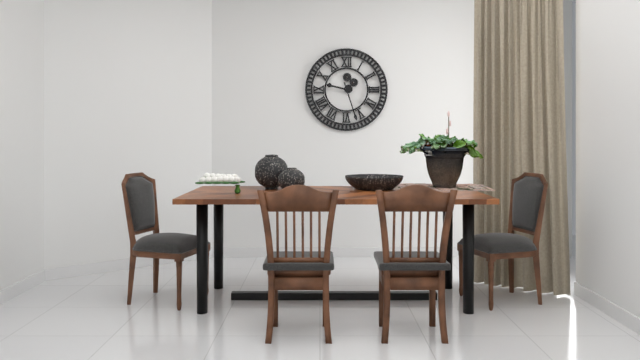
9:27
